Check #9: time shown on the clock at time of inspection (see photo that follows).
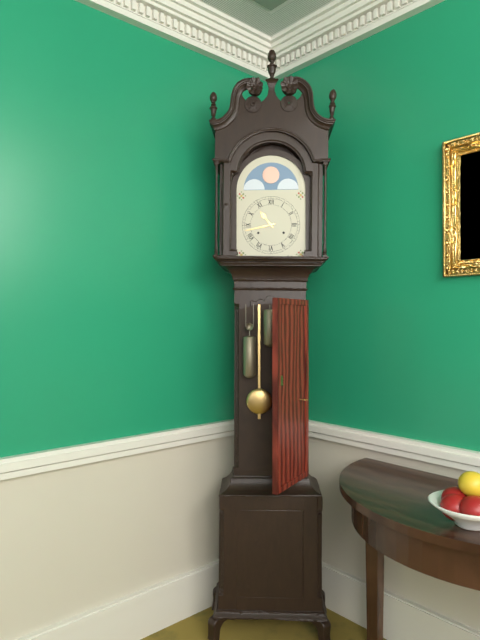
10:43
